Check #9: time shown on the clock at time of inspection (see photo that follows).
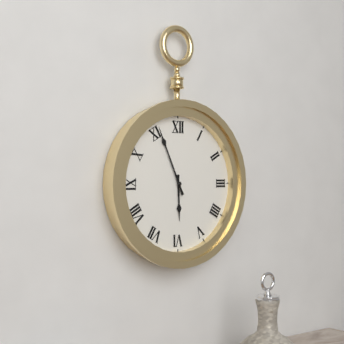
5:56
